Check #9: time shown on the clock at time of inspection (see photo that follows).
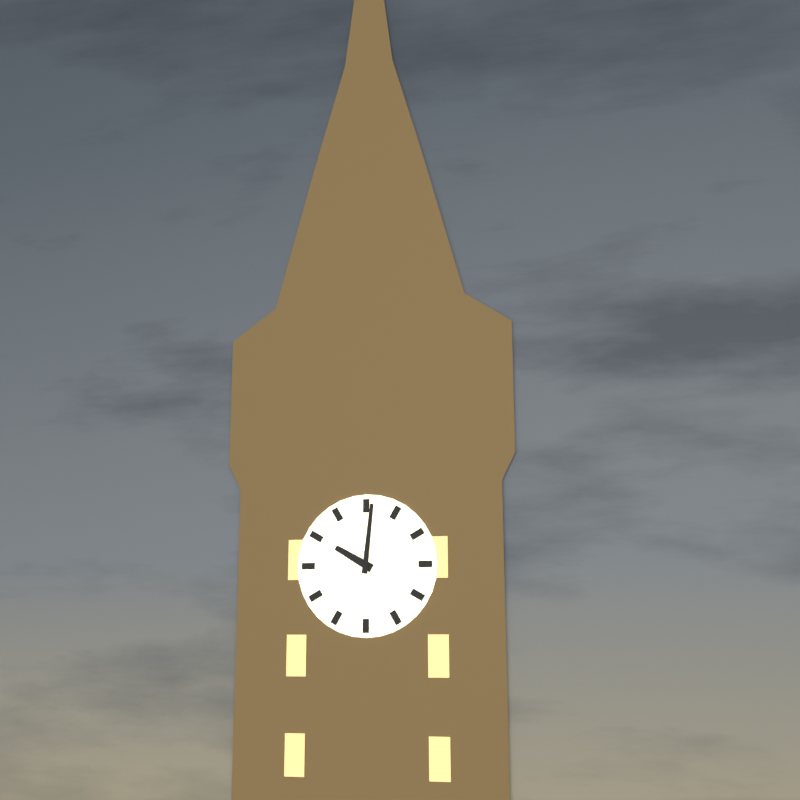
10:01
